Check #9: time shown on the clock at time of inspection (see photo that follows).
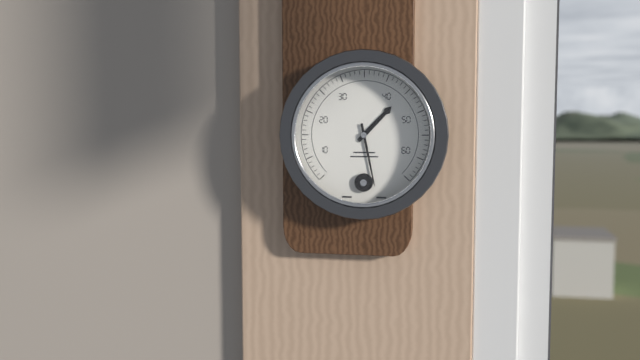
1:28
